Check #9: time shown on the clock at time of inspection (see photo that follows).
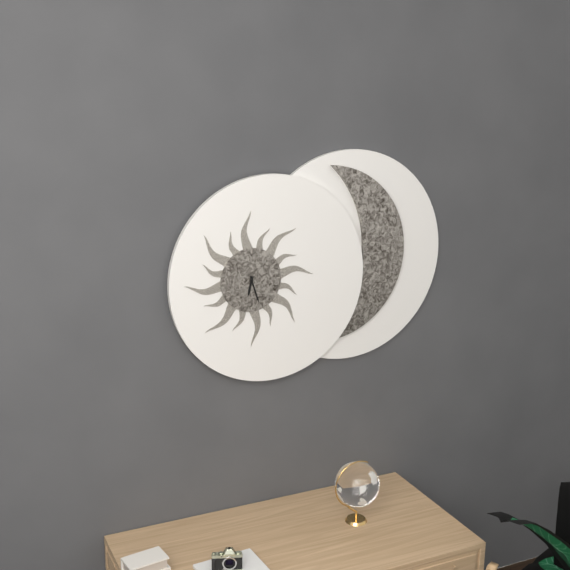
6:27
